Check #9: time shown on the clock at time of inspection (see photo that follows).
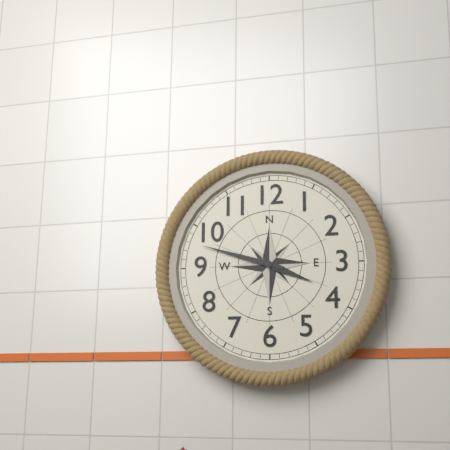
3:48
